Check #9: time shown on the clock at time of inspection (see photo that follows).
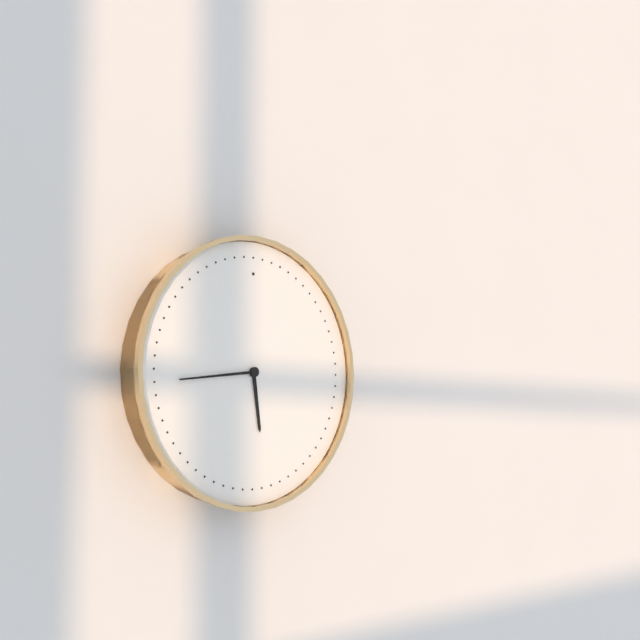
5:44
